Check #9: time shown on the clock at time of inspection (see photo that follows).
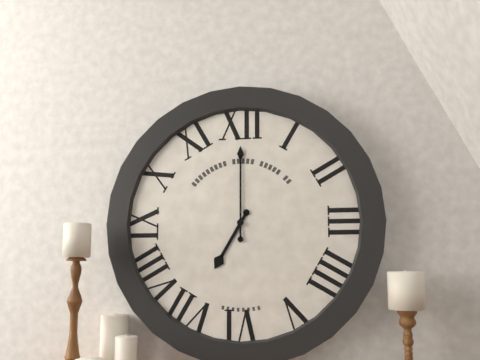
7:00
